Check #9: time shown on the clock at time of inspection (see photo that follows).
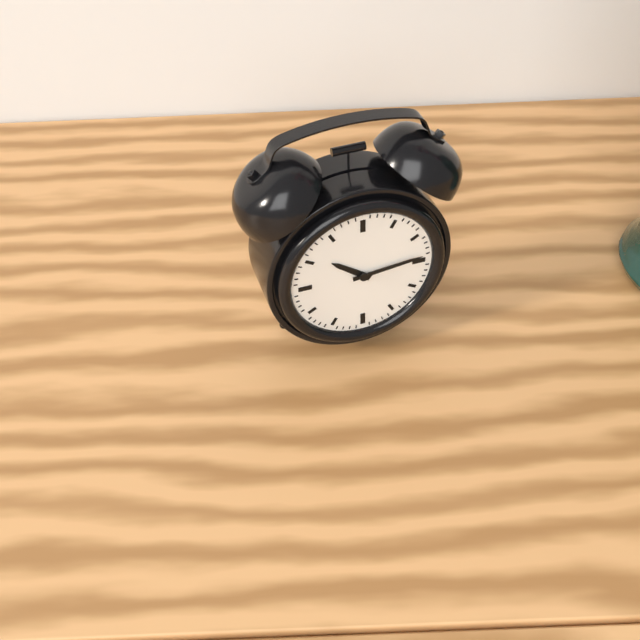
10:14
